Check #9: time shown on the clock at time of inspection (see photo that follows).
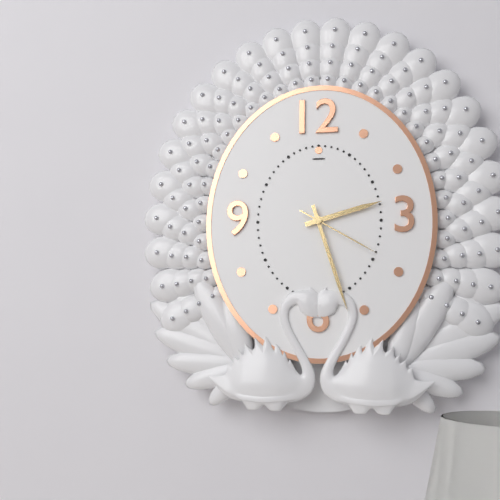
2:27:20
